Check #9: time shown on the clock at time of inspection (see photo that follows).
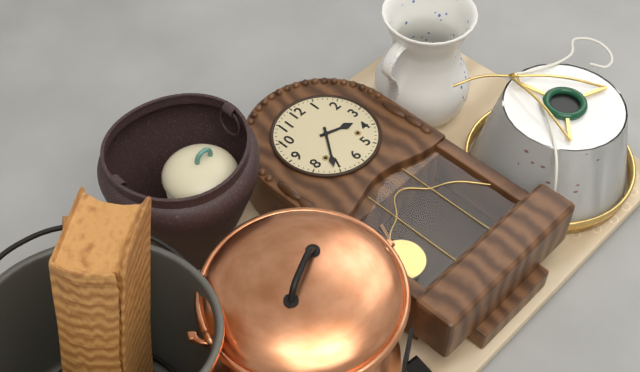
3:36
